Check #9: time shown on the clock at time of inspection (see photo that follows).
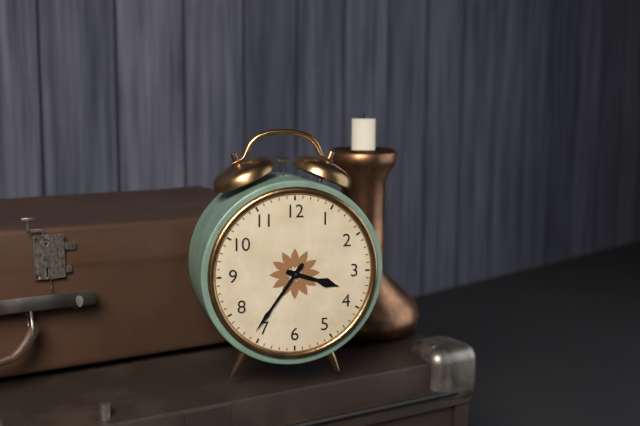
3:36
